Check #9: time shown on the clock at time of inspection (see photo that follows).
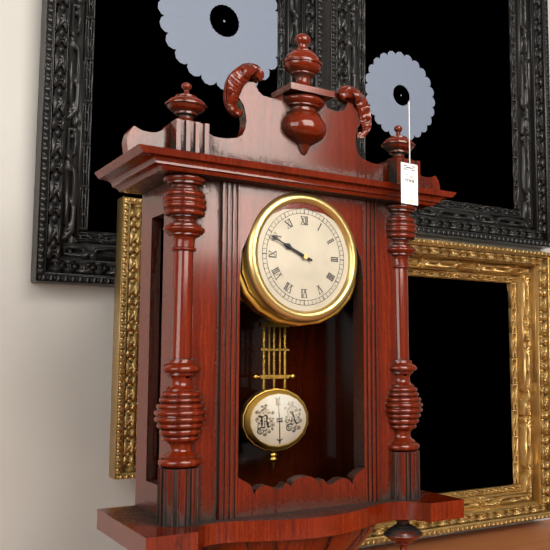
9:49
